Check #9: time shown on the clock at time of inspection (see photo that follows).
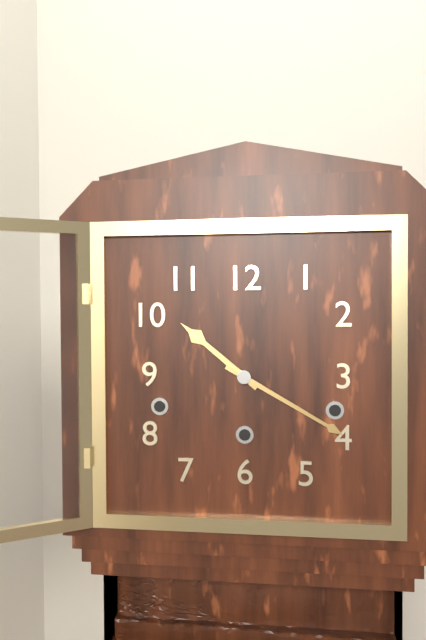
10:20
